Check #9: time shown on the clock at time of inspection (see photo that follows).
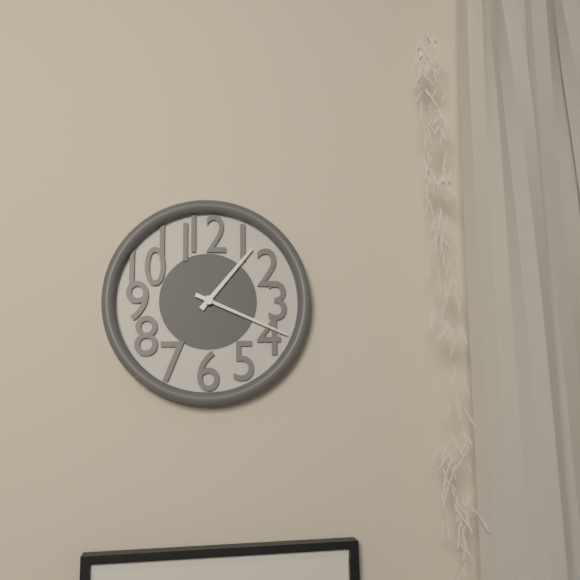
1:19
